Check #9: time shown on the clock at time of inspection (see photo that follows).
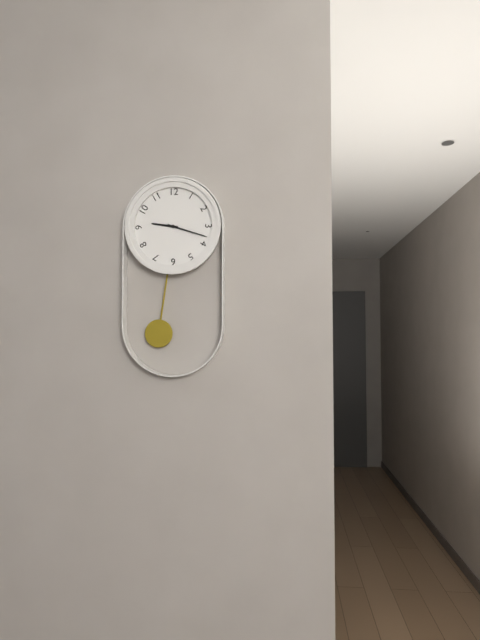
9:18
